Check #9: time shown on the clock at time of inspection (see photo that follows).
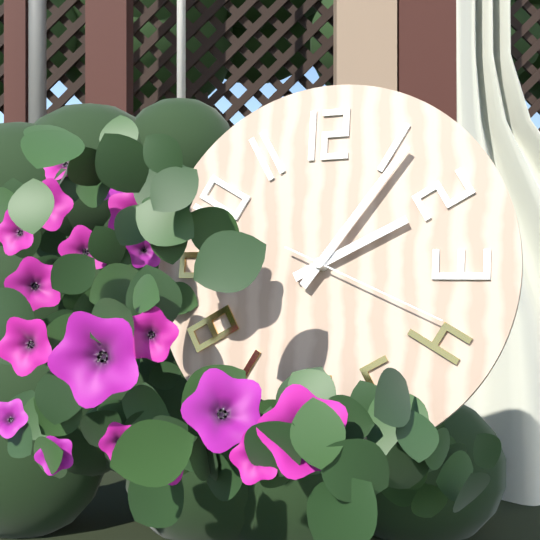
2:06:19
